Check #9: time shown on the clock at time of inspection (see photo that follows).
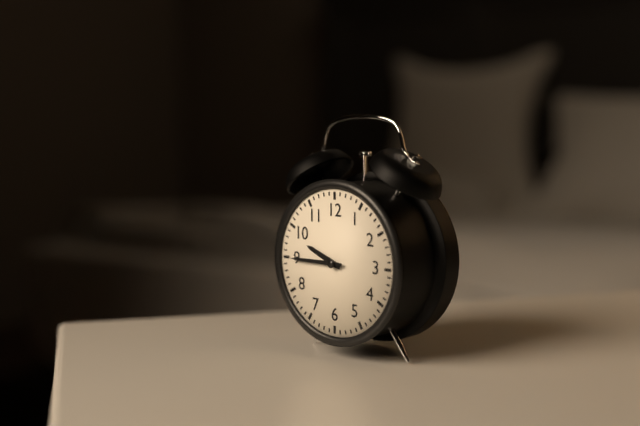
9:45
